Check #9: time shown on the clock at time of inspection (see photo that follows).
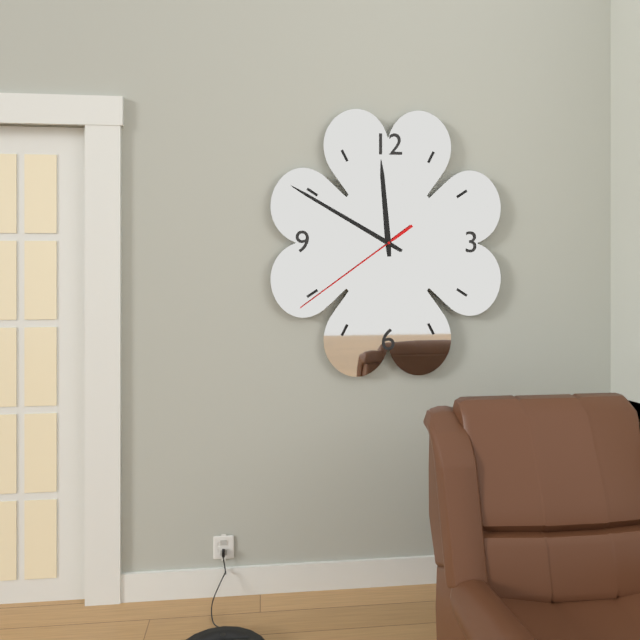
11:50:39
